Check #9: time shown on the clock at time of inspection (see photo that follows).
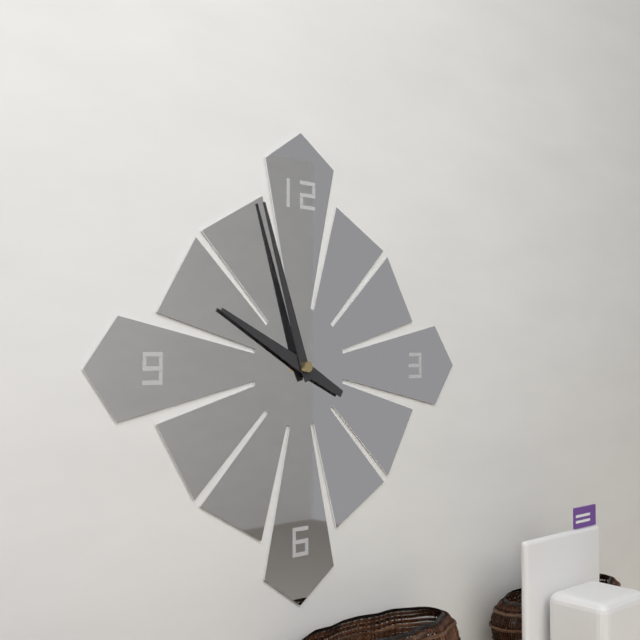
9:57
